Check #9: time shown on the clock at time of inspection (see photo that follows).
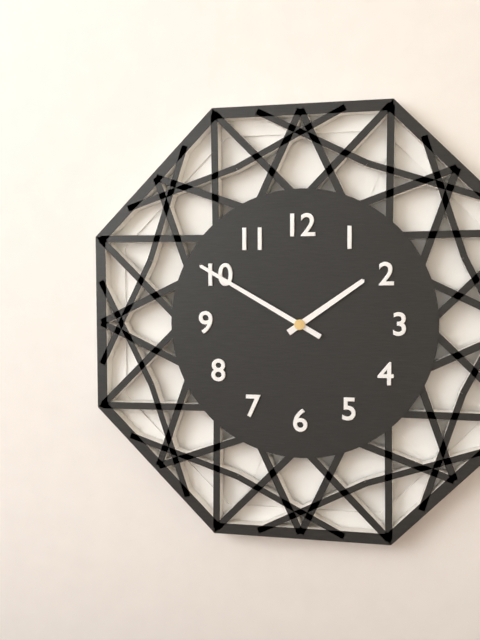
1:50
